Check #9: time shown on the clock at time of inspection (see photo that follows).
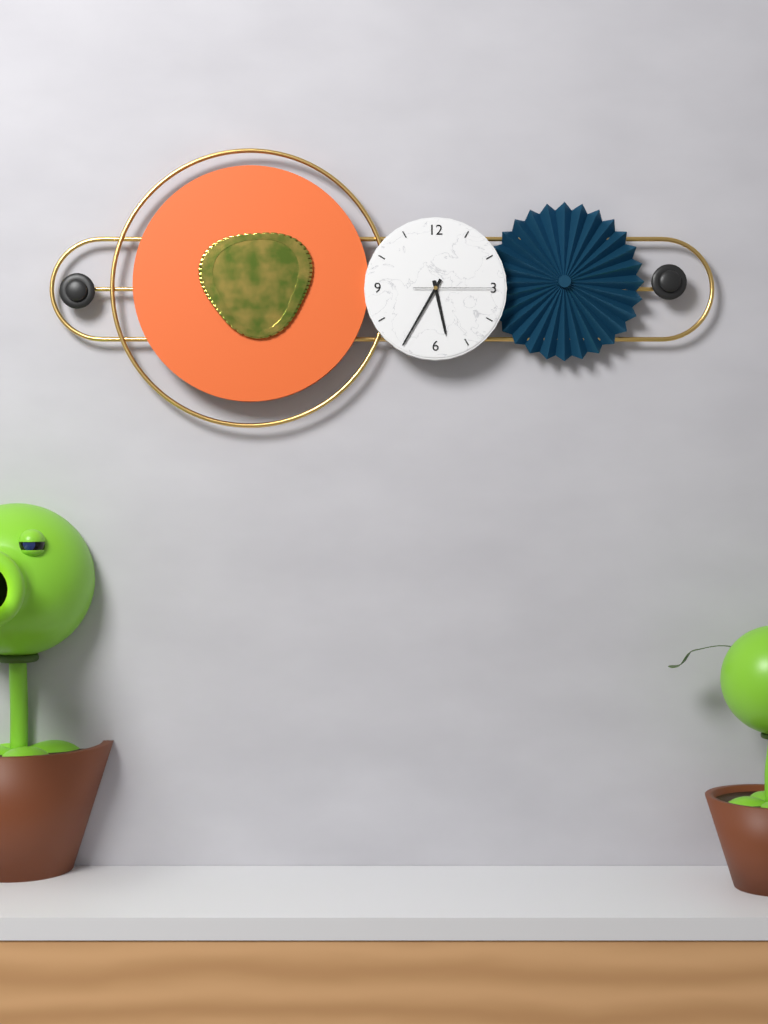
5:35:15
